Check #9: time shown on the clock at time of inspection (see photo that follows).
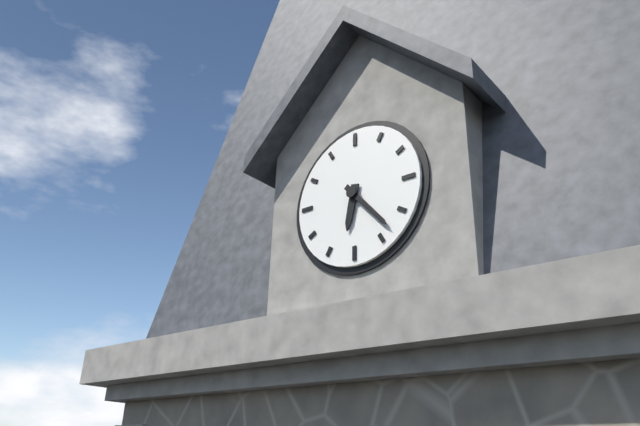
6:23
